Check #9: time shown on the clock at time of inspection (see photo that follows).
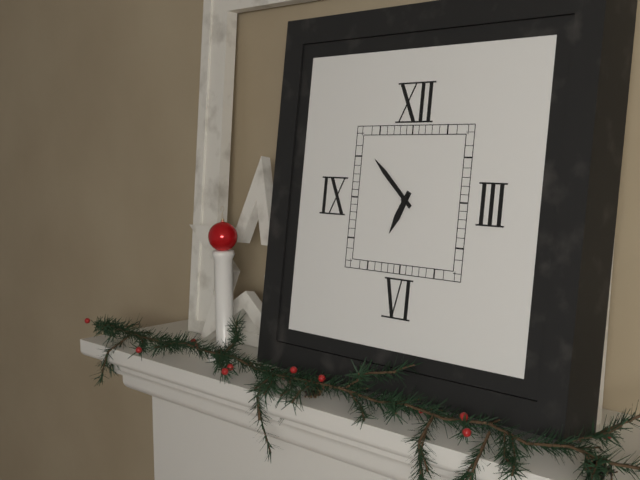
6:52
